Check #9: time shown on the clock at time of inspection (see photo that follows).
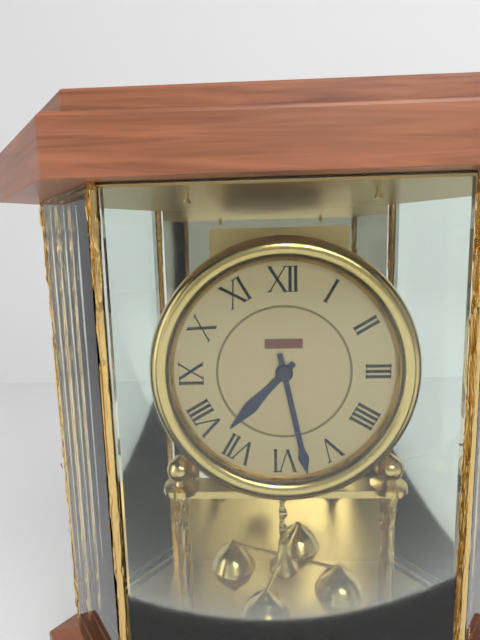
7:28
